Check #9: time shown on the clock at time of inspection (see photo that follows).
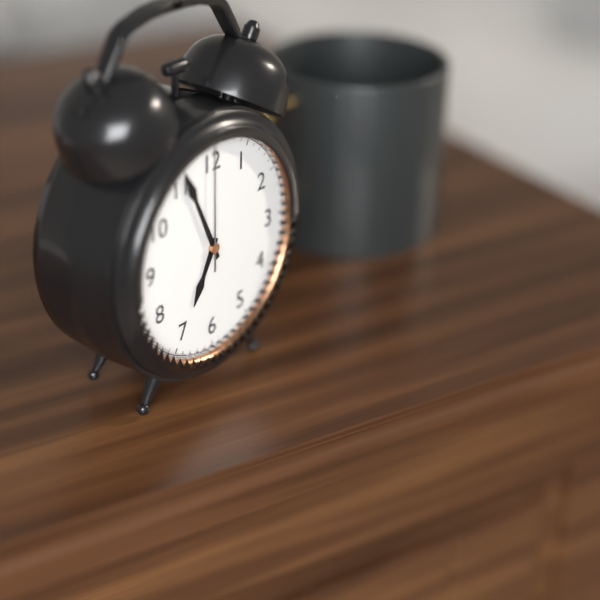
6:56:00
